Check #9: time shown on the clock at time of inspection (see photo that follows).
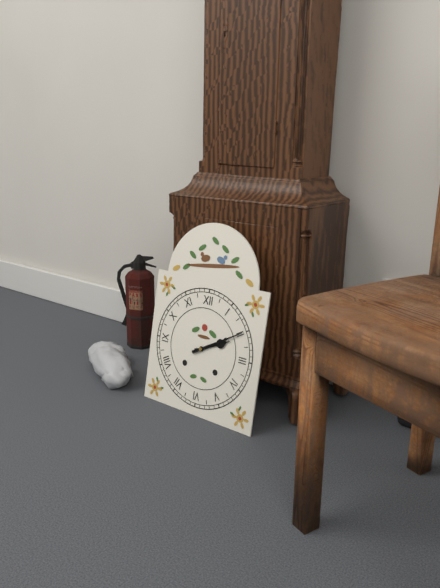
2:10
